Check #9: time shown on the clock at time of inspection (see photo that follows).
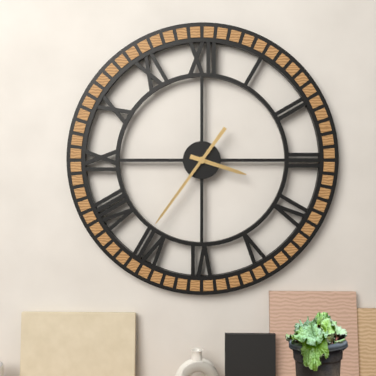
3:36
